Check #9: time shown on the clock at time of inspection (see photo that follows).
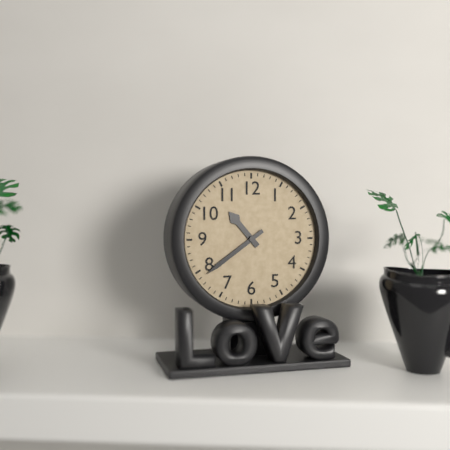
10:39
